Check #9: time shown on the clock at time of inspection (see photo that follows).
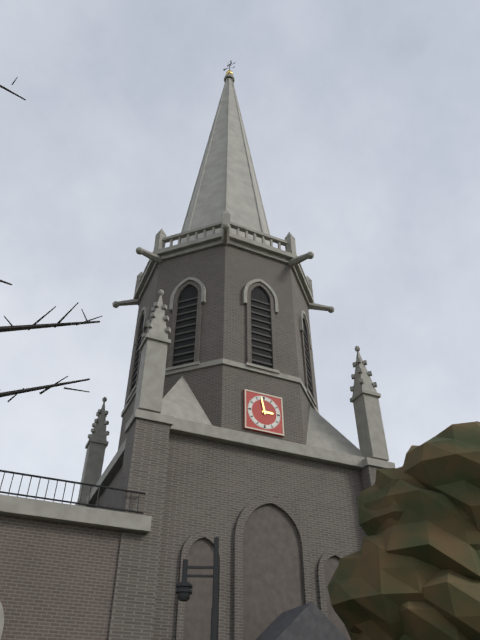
2:58
